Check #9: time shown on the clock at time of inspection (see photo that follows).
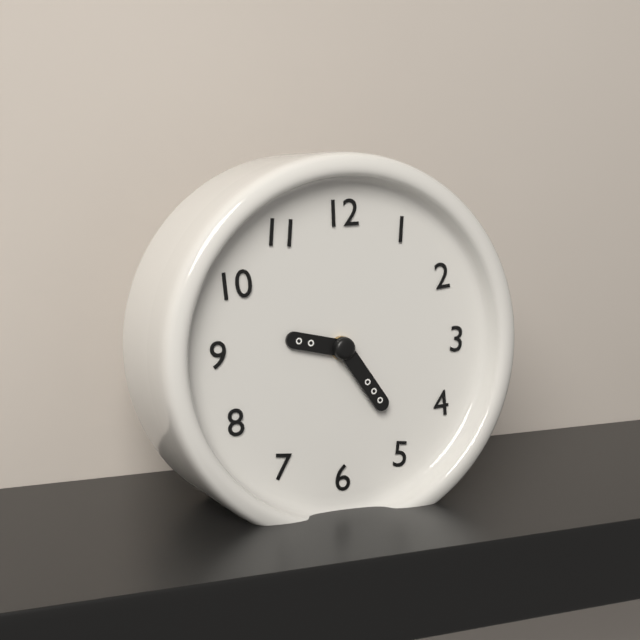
9:24
